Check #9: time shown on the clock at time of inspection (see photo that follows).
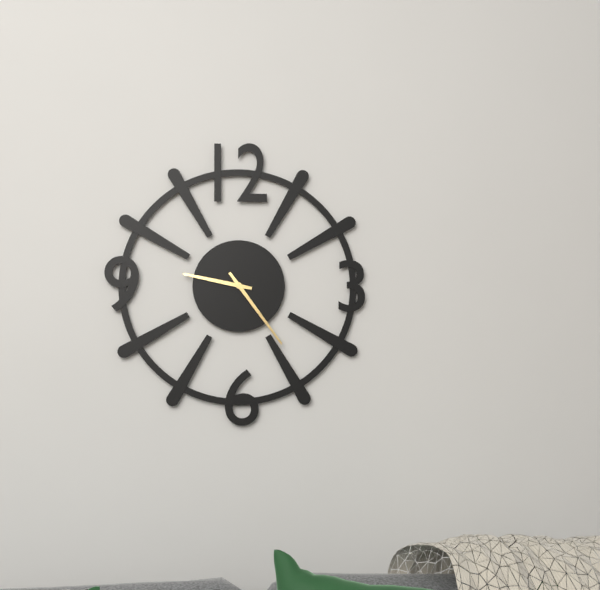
9:24
